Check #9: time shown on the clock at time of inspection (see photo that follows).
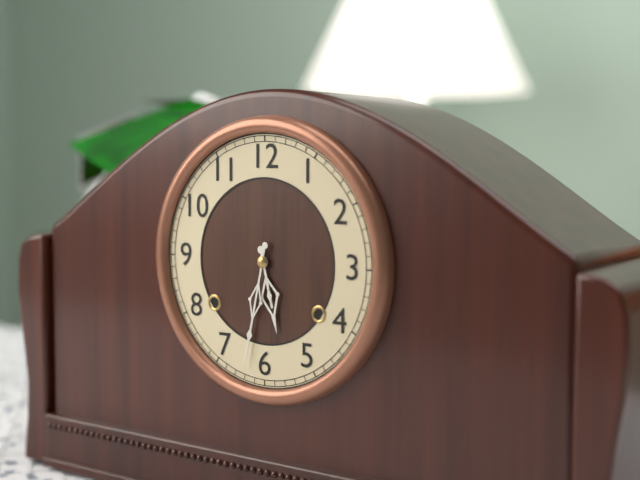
5:32
